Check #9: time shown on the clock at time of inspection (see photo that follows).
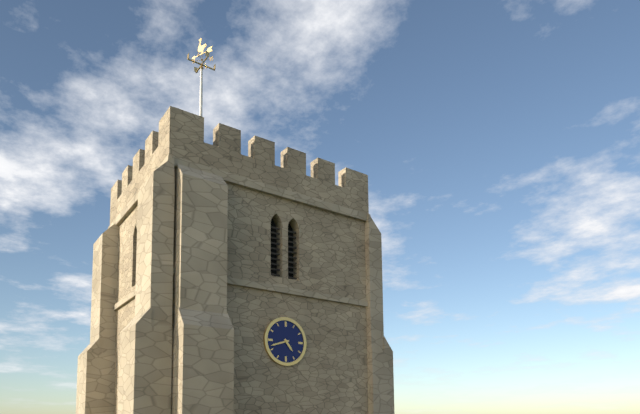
4:42
